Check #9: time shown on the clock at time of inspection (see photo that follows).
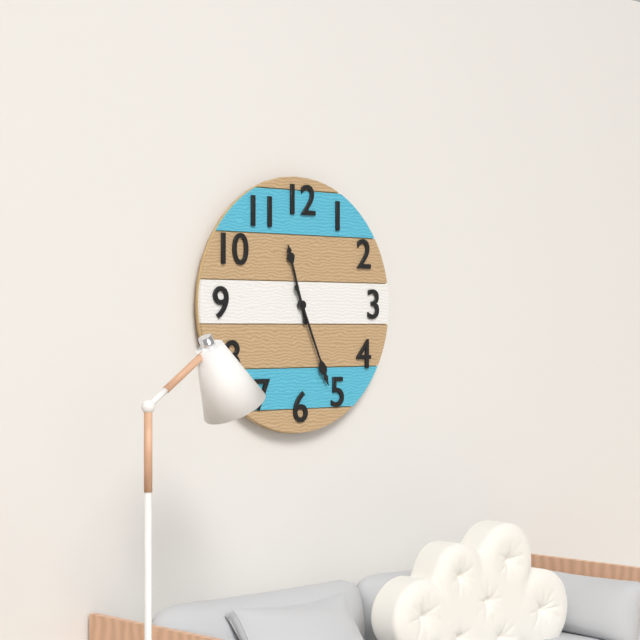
11:26
